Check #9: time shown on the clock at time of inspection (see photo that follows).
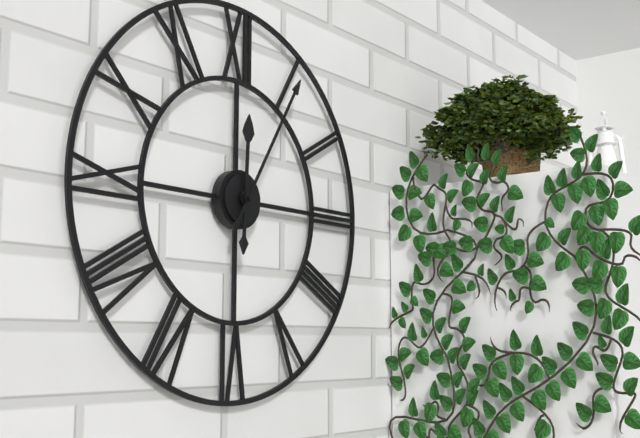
12:05
